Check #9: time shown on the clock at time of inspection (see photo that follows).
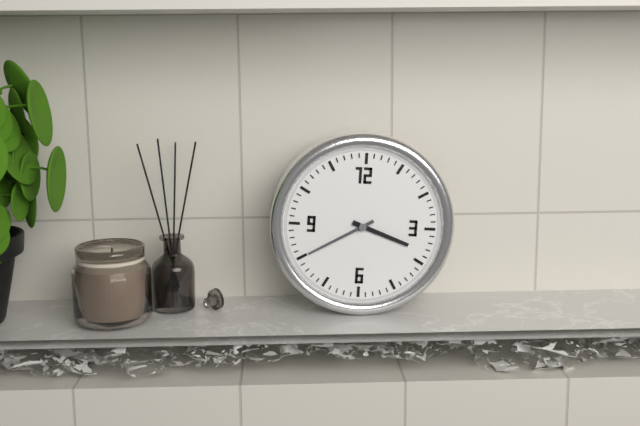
3:40
